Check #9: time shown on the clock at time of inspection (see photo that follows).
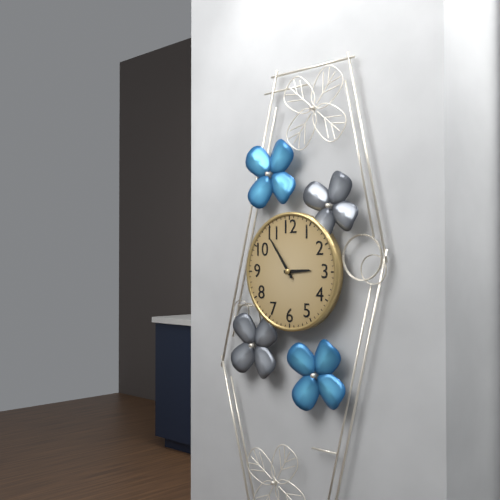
2:54
